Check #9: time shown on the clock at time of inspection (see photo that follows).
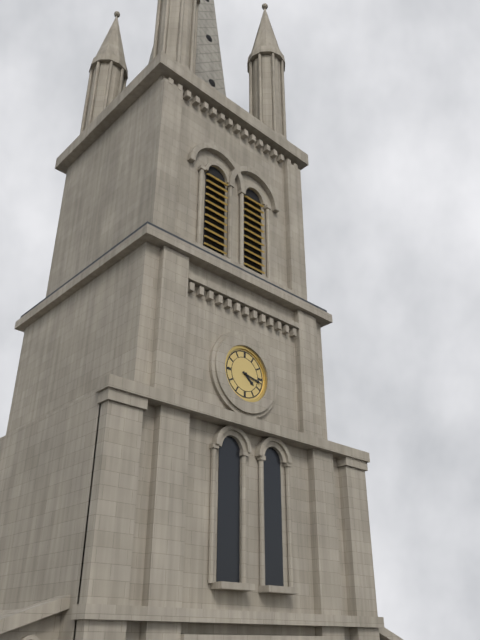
4:17
